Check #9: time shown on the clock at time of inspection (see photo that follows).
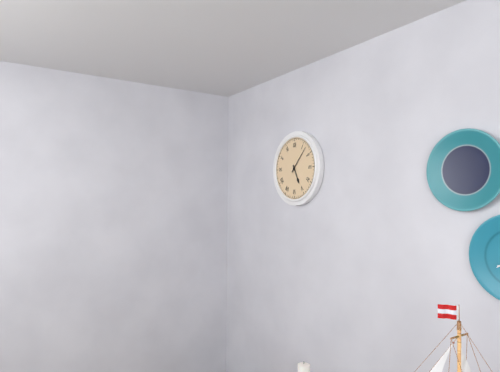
5:07
